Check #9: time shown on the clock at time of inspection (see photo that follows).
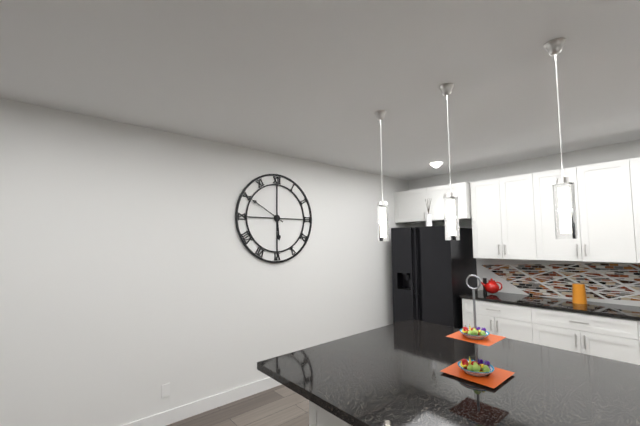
5:50
